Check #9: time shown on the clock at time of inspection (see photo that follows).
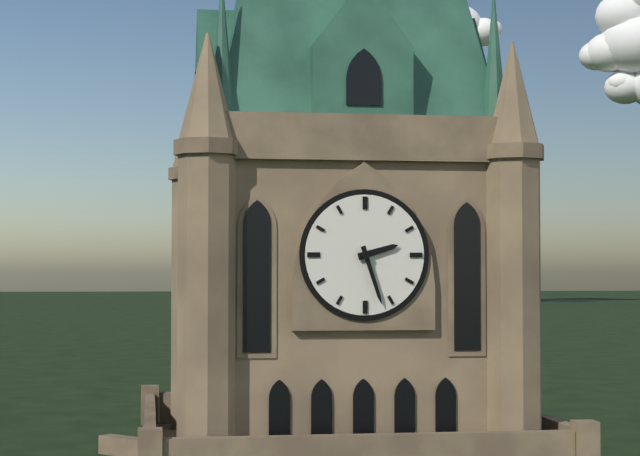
2:27
